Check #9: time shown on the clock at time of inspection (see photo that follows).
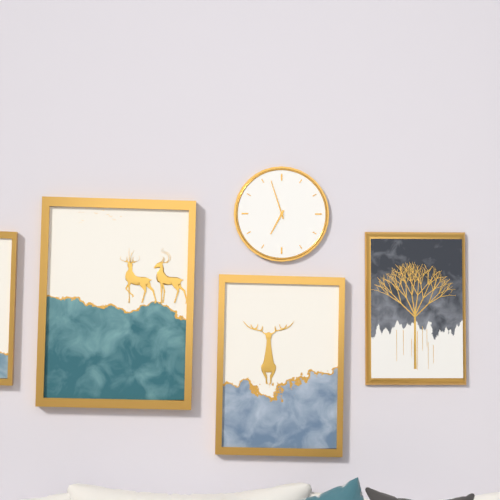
6:57
